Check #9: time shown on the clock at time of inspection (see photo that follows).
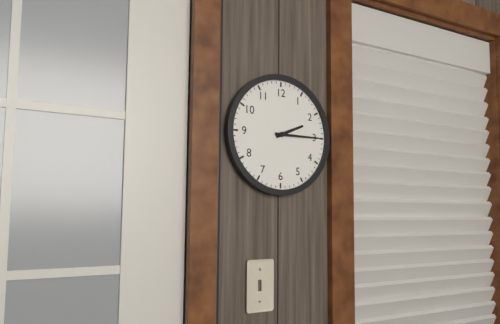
2:15
